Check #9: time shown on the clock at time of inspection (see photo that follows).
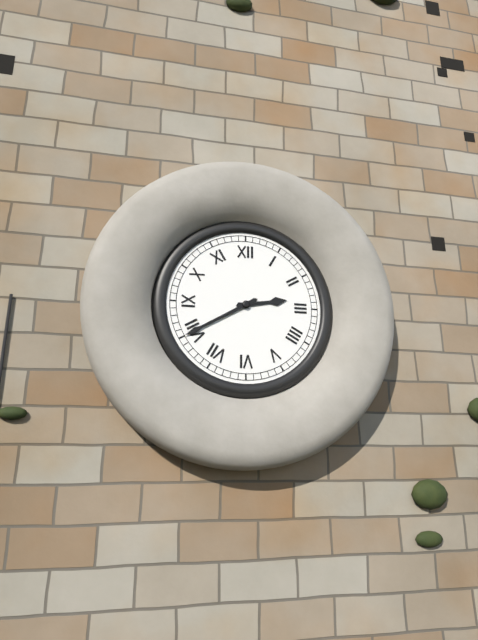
2:40
